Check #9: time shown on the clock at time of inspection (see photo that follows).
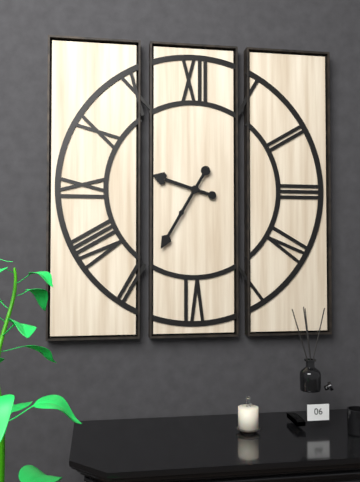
9:35
